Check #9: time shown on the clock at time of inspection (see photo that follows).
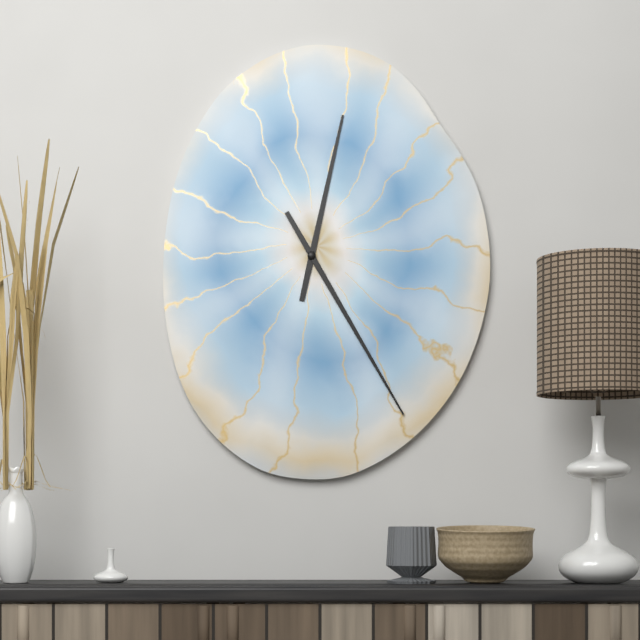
12:25
